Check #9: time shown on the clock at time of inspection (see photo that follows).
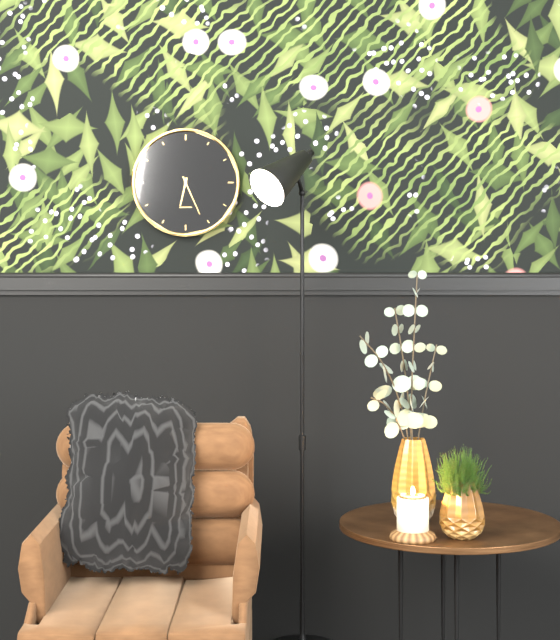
6:26
